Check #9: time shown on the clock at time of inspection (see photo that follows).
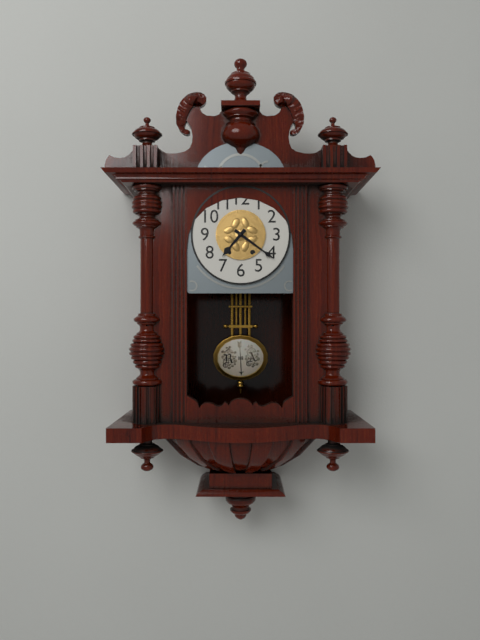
7:21
